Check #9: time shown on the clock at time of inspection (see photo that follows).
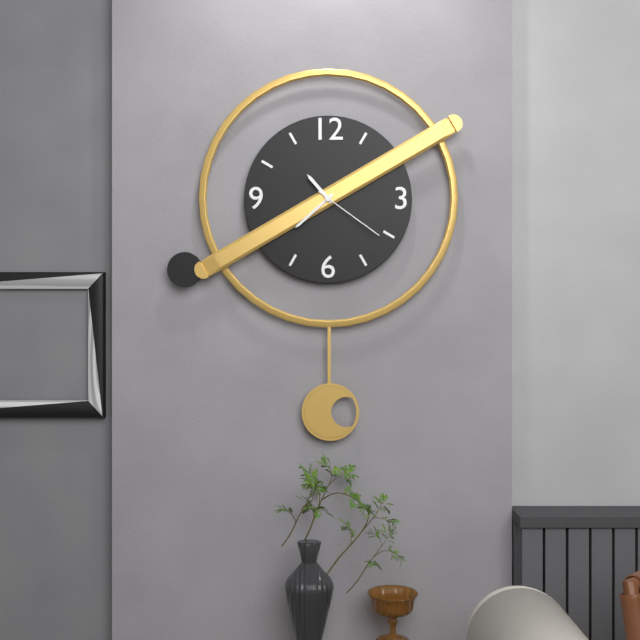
10:38:21
